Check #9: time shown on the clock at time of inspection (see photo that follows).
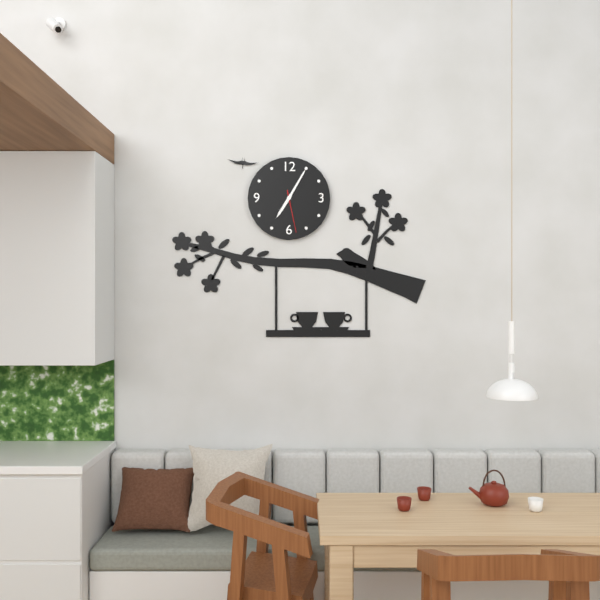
7:05
